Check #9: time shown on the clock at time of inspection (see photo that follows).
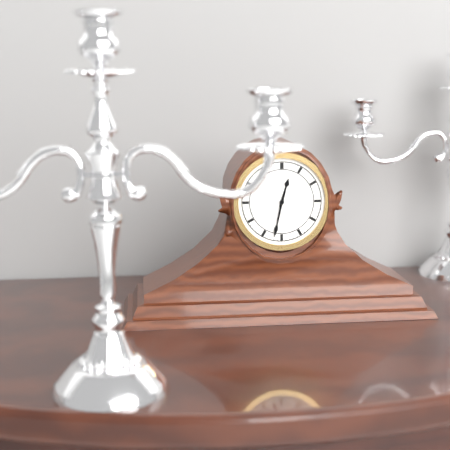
12:32
